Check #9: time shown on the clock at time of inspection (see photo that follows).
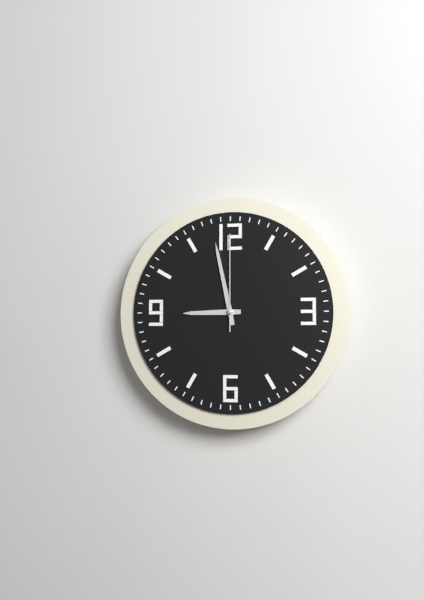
8:58:00
